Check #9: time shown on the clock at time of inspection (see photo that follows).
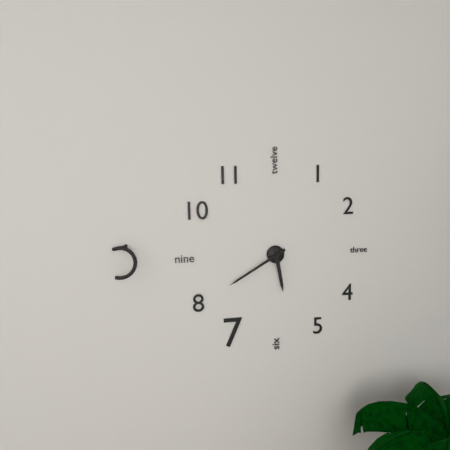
5:40
